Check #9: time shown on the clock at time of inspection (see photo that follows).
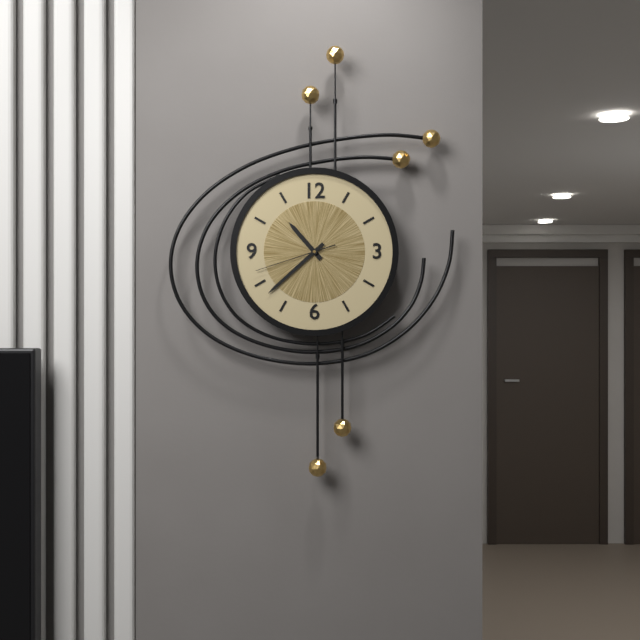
10:38:42
